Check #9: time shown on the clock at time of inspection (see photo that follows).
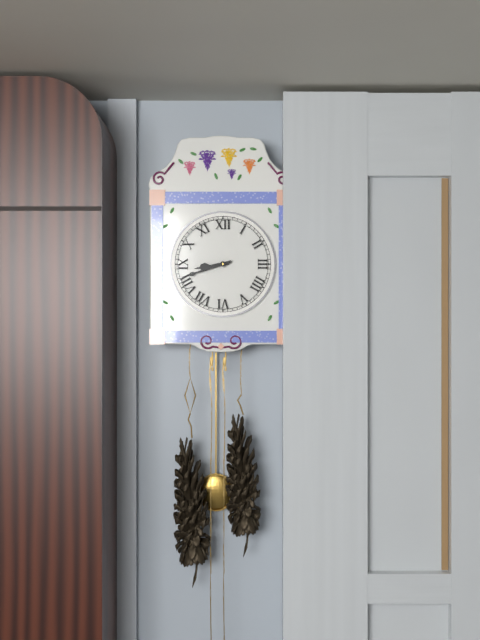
8:42
